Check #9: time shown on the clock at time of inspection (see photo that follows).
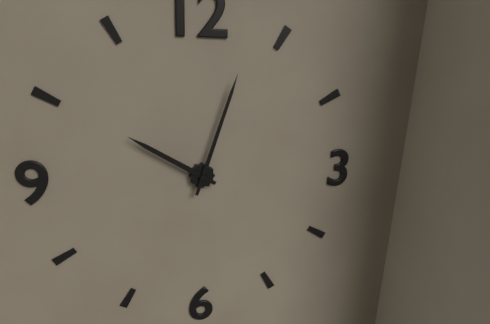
10:03
